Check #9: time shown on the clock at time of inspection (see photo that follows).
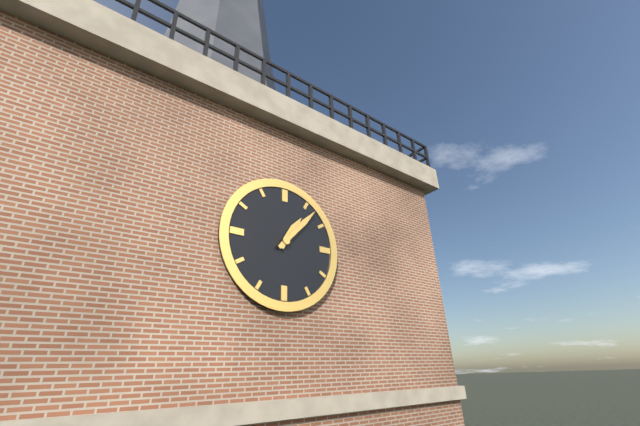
1:07
